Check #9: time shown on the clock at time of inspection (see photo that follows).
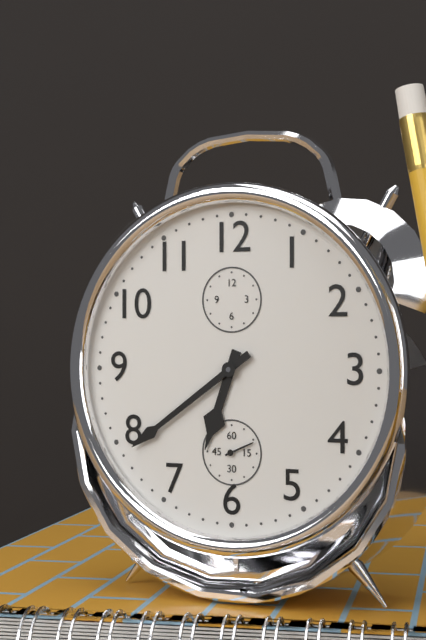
6:39
